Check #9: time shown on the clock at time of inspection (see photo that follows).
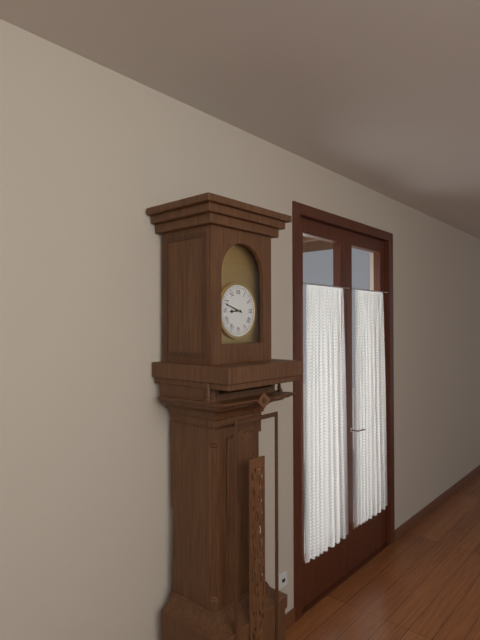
8:48
